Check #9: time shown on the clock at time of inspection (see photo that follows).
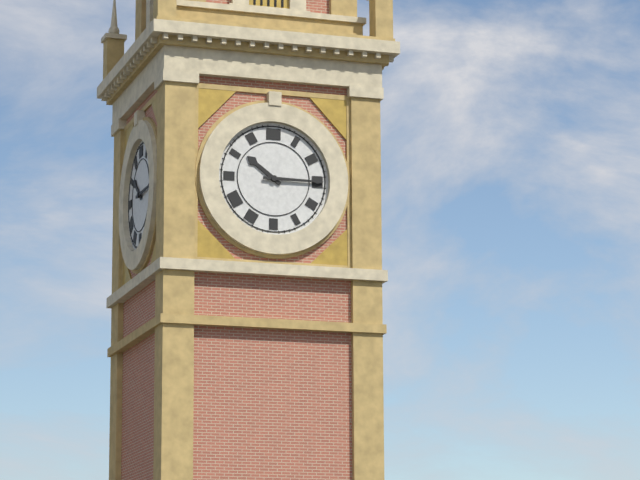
10:15
